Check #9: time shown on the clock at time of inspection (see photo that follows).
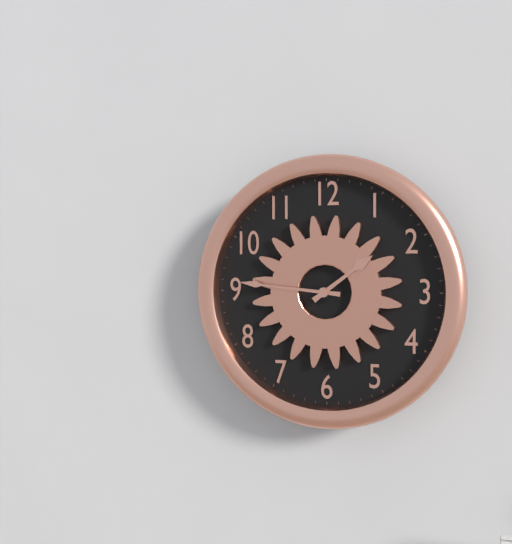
1:46
